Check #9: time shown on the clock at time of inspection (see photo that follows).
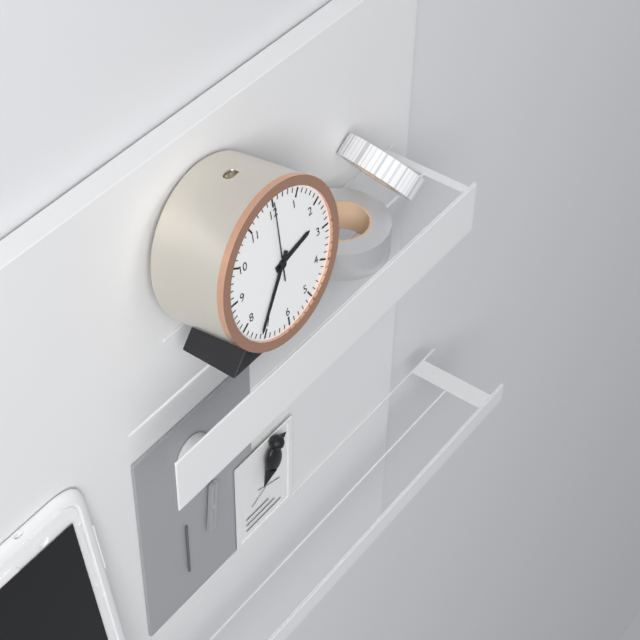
2:36:00
